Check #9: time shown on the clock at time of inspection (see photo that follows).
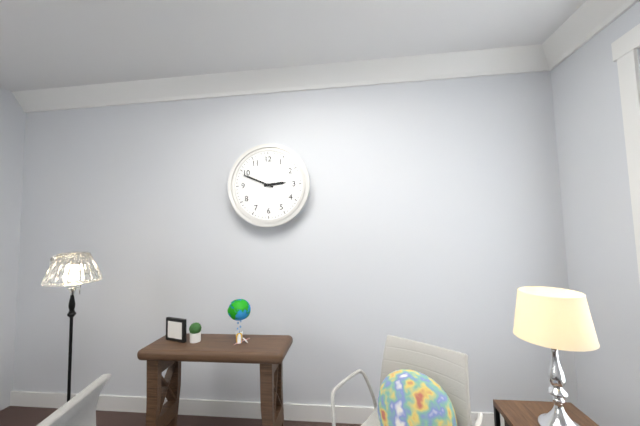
2:49
